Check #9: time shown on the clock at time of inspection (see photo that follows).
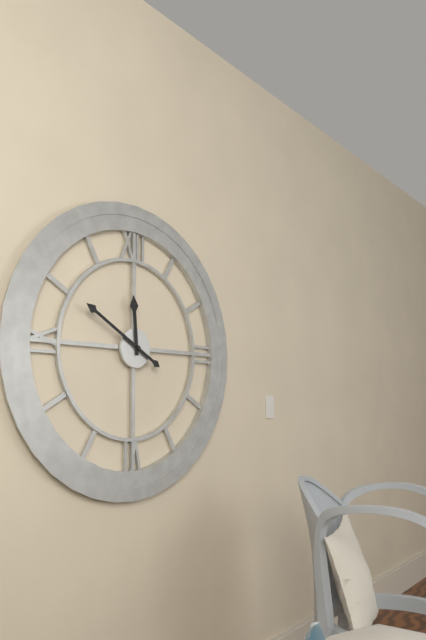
11:50
